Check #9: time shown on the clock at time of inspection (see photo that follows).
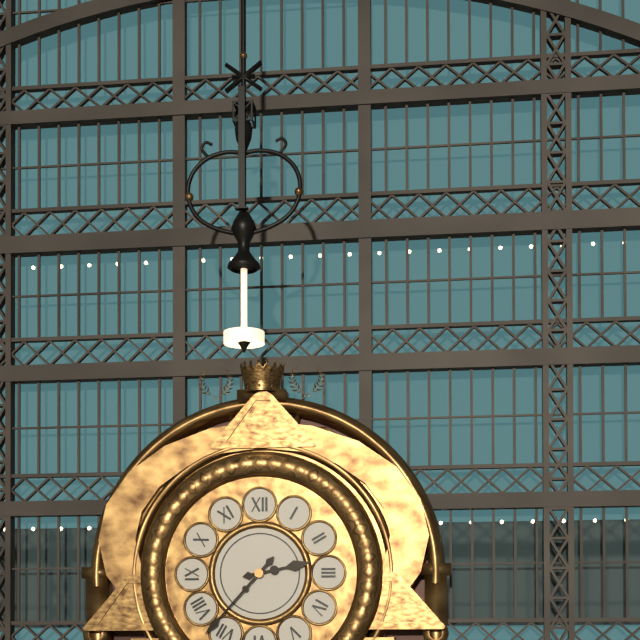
2:37
